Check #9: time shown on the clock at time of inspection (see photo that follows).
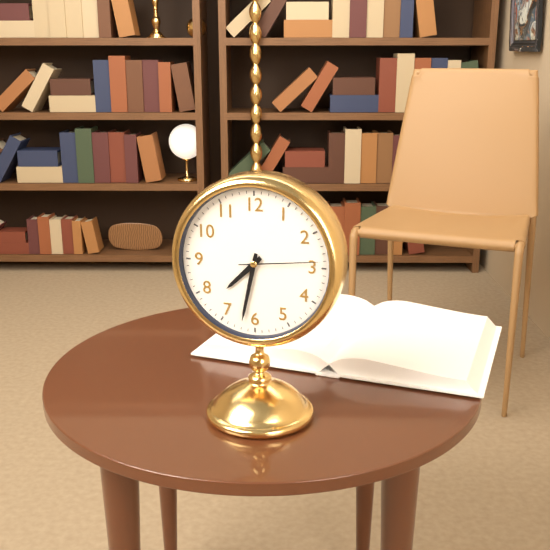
7:32:14
